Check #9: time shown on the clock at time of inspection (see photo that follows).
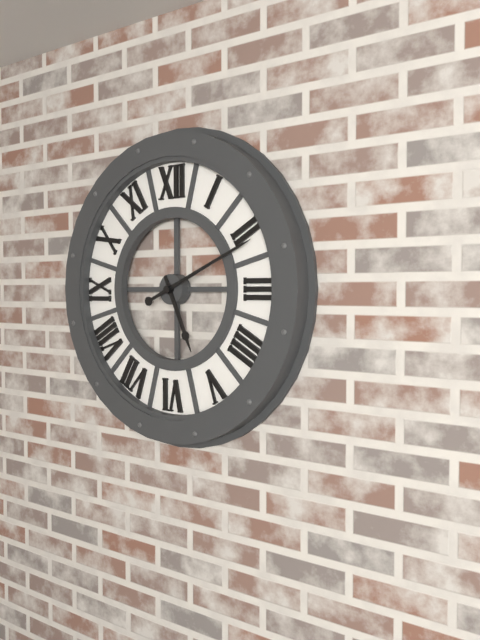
5:11
